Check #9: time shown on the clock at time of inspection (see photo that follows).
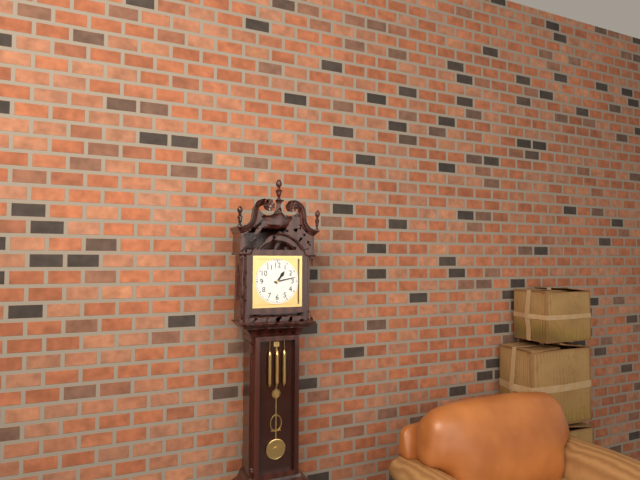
1:13
